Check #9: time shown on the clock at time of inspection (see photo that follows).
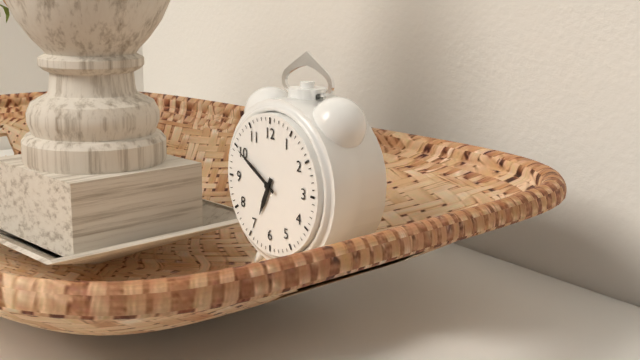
6:50
